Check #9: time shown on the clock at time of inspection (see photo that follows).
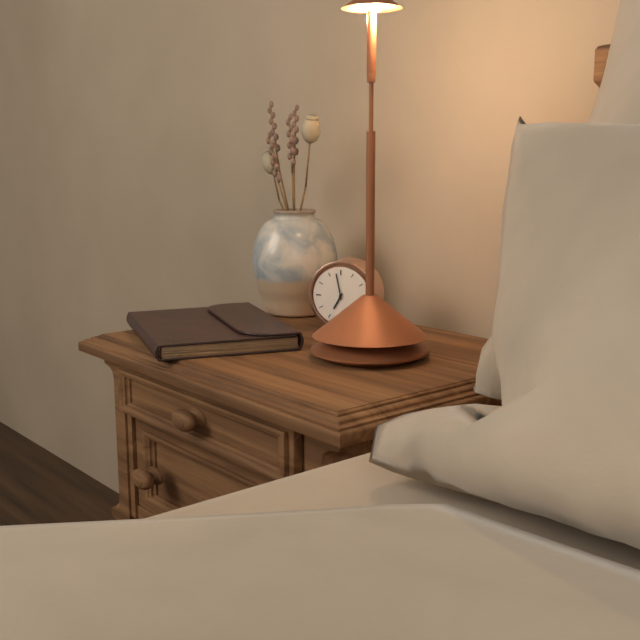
6:58
